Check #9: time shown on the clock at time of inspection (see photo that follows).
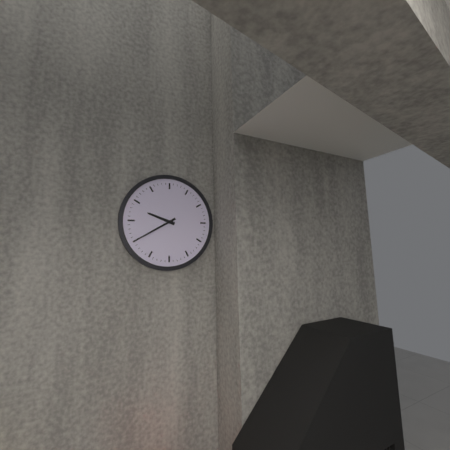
9:40
